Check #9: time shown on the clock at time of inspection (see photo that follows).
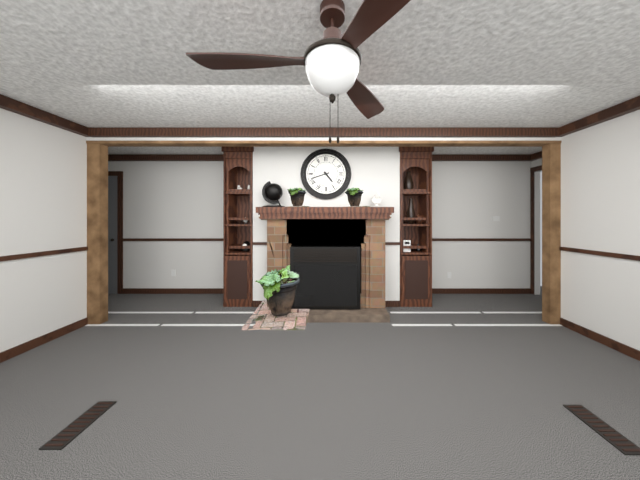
4:42
